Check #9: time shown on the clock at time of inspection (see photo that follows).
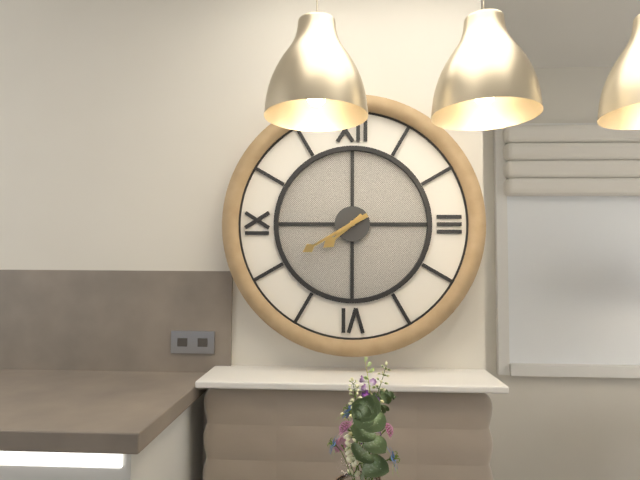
7:40
